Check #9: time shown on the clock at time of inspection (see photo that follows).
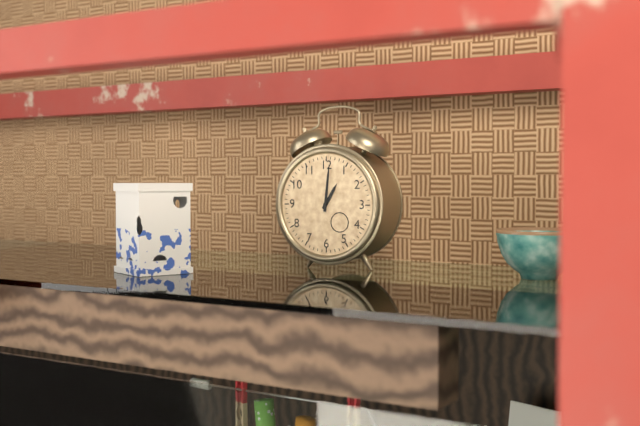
1:01
